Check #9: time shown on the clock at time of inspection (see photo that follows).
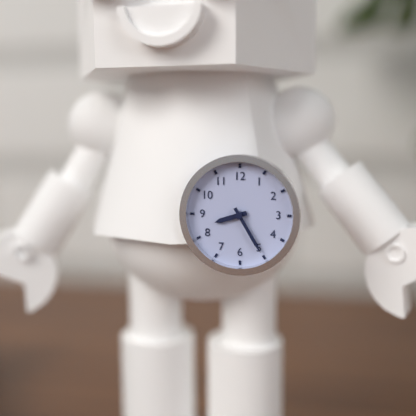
8:25
